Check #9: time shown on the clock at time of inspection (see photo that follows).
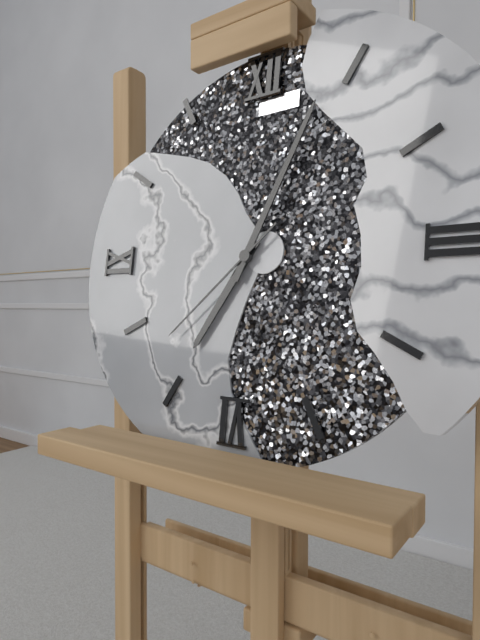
7:04:38
